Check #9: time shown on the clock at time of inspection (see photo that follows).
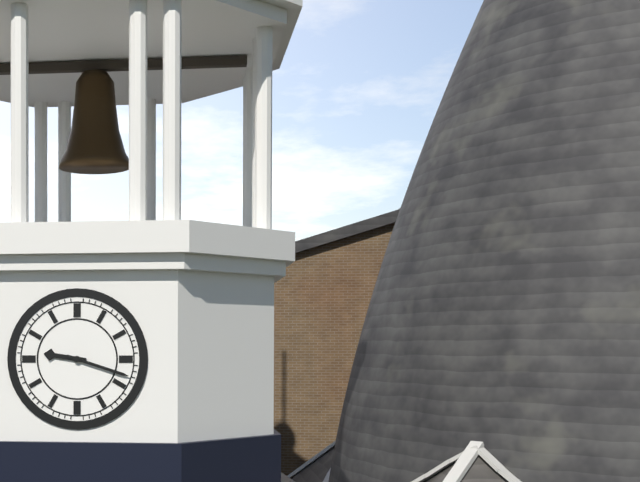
9:18
